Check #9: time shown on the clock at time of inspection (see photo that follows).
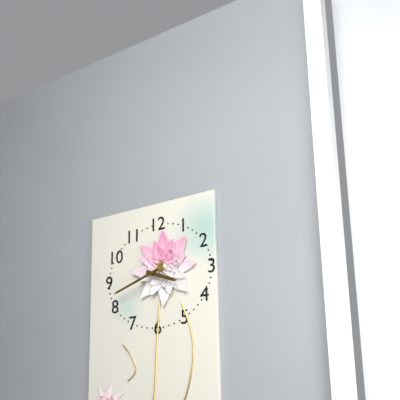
3:42
